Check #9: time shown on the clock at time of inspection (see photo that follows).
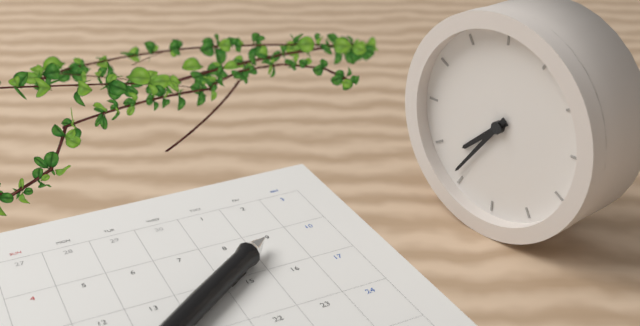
7:36
